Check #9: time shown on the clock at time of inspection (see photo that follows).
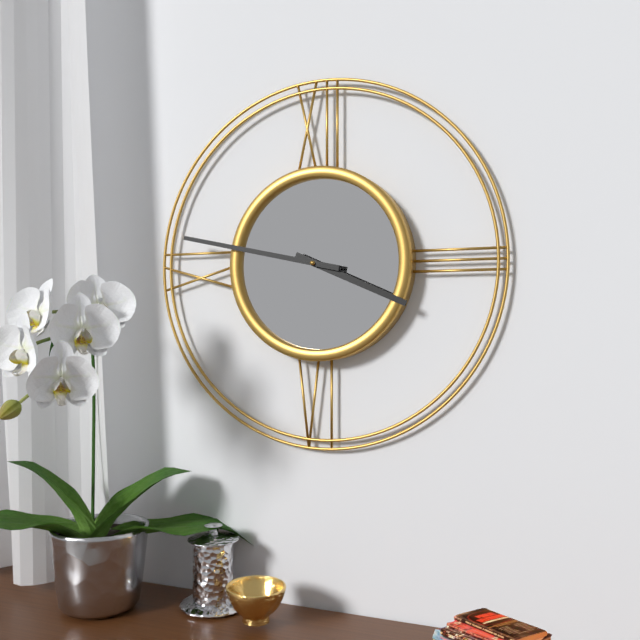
3:47
